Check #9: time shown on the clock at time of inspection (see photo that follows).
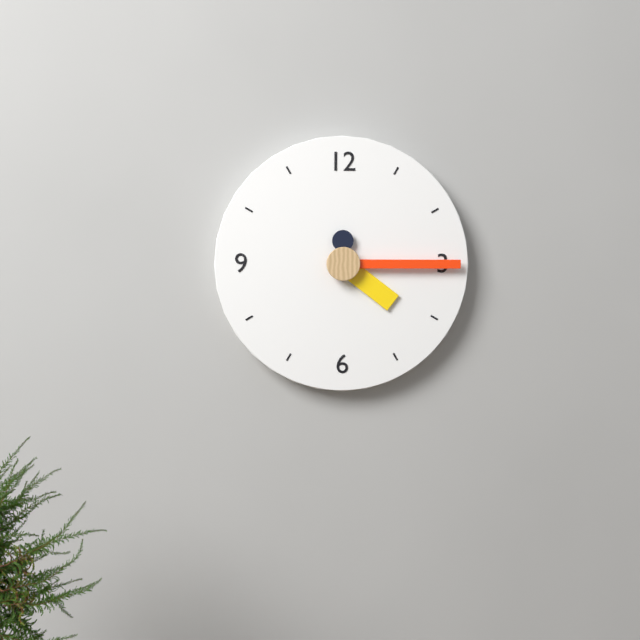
4:15
